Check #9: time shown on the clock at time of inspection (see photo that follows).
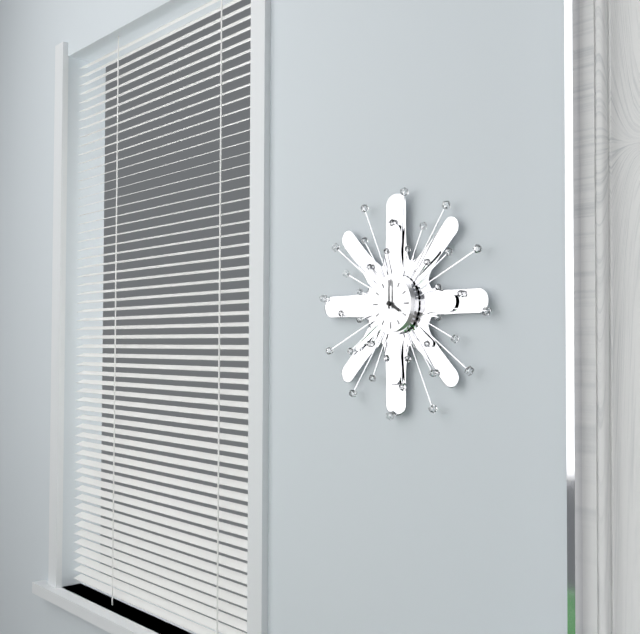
4:00
